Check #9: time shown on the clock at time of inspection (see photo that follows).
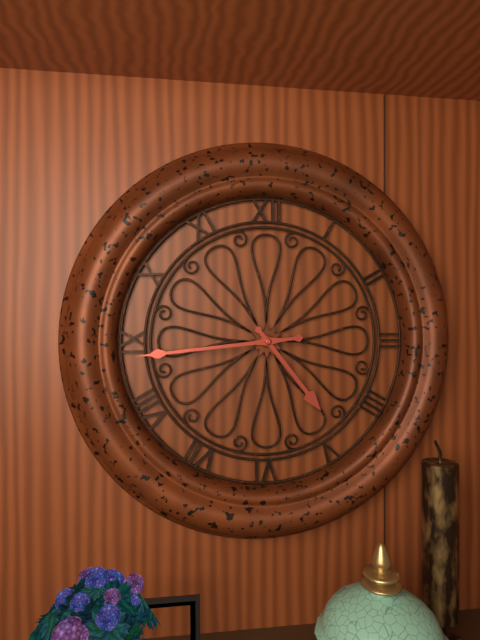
4:44
